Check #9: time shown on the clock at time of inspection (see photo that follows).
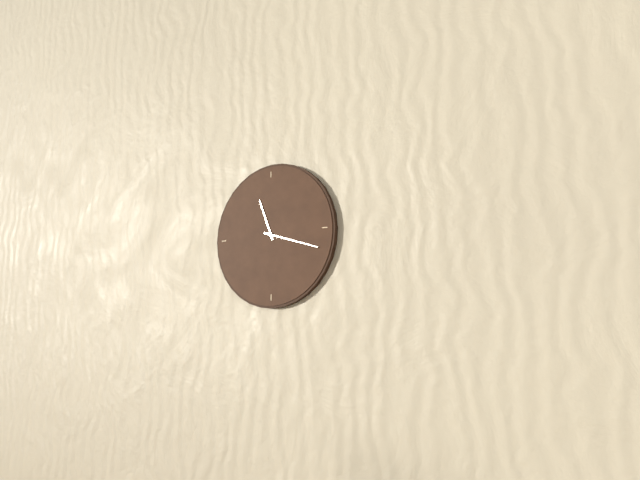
11:18
